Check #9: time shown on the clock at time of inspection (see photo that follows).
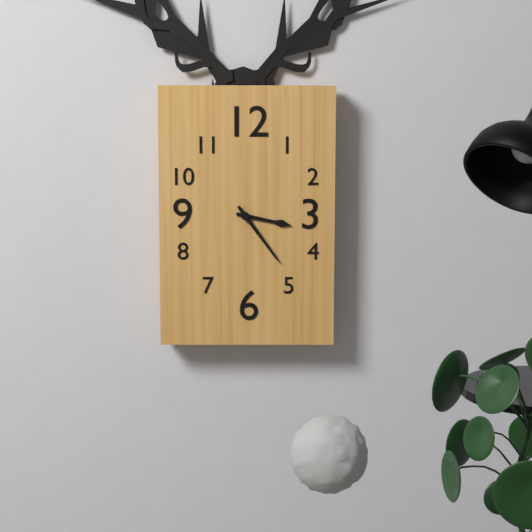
3:24
